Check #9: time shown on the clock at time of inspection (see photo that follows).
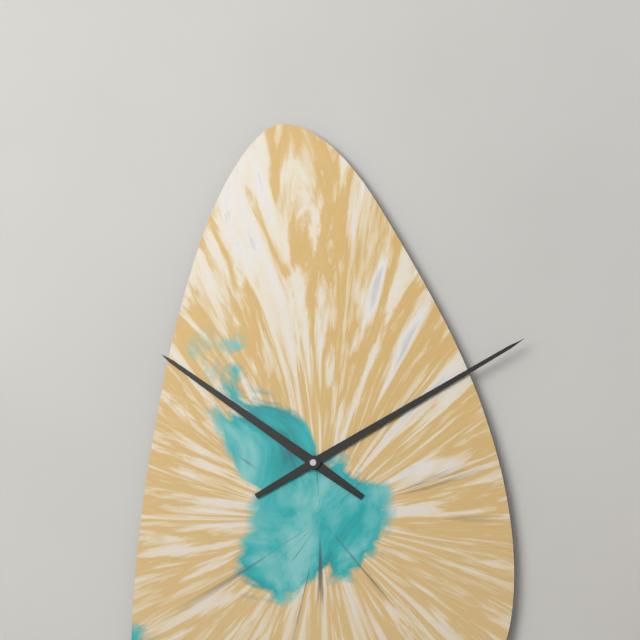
10:10
